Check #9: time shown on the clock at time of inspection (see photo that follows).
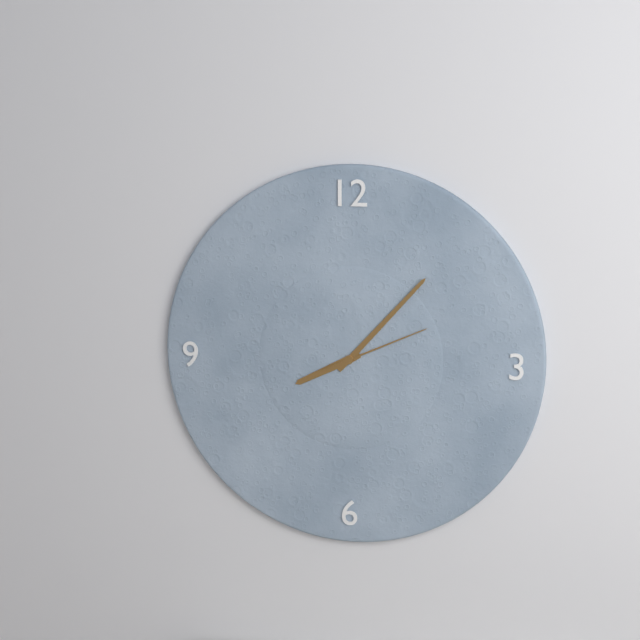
8:07:11
